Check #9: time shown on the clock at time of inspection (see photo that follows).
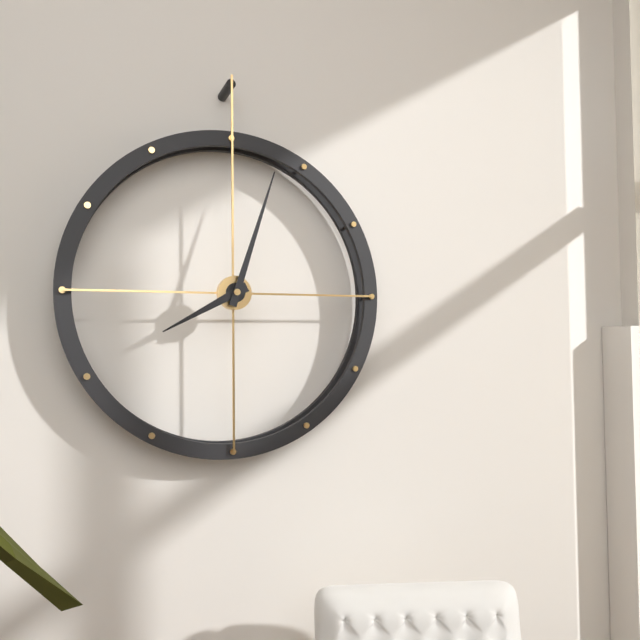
8:03
